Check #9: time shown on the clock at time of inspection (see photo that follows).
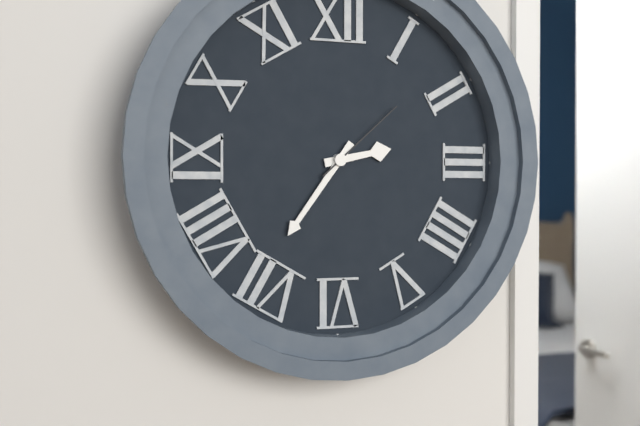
2:36:08
